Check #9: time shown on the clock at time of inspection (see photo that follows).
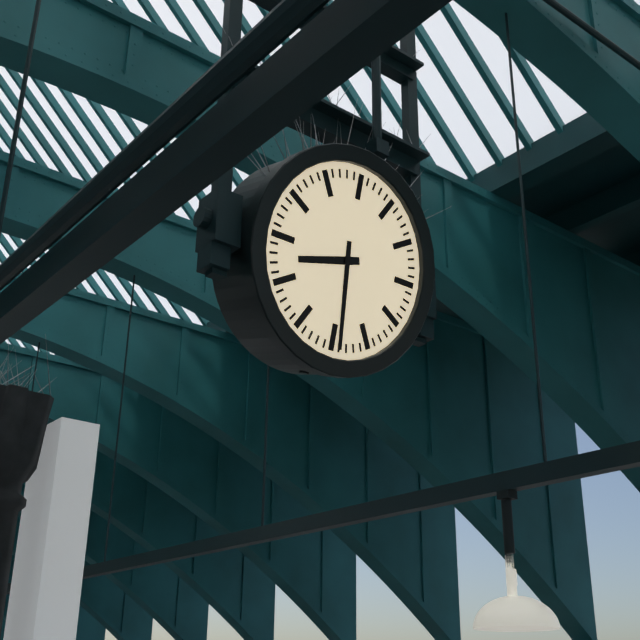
8:29
